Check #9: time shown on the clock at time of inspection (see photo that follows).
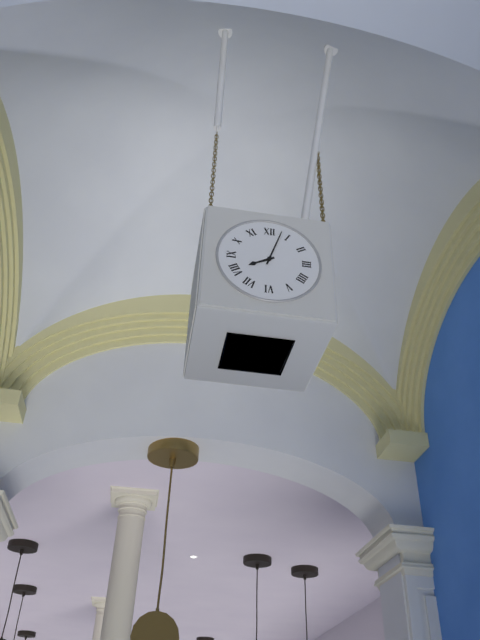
8:03
